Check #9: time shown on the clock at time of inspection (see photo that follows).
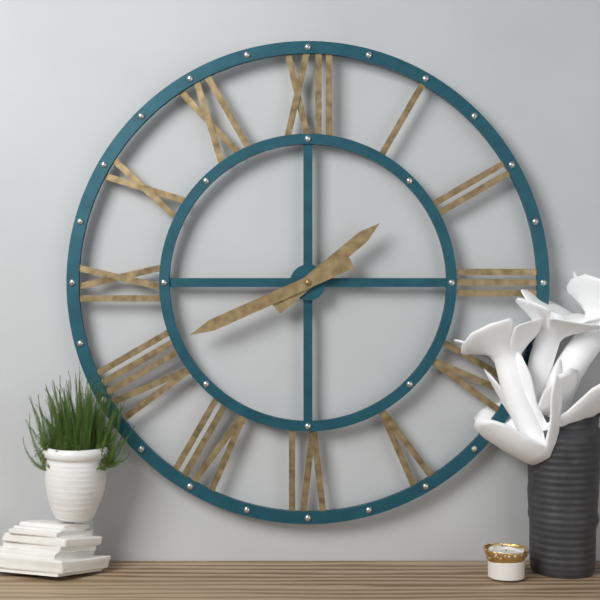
1:41
